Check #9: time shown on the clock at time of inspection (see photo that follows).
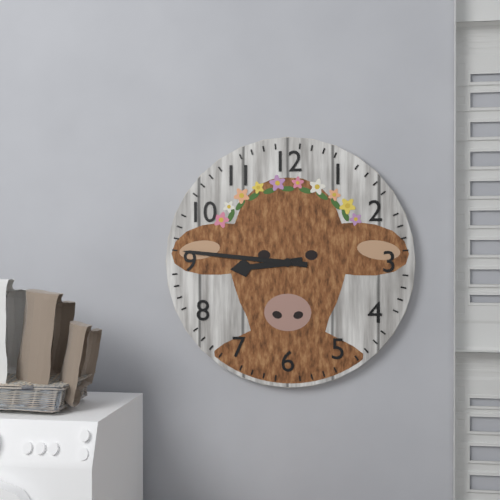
8:46
